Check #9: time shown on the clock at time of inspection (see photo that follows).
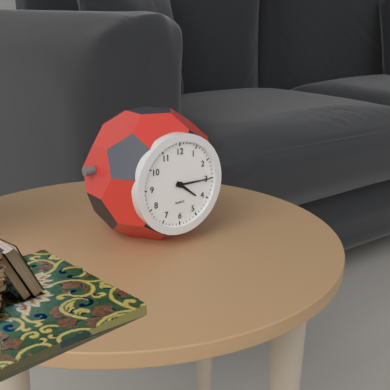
4:15
